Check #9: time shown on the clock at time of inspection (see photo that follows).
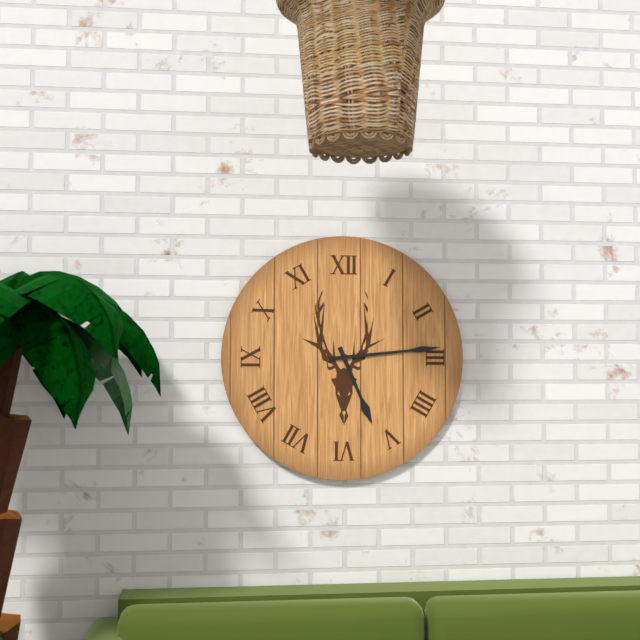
5:14
